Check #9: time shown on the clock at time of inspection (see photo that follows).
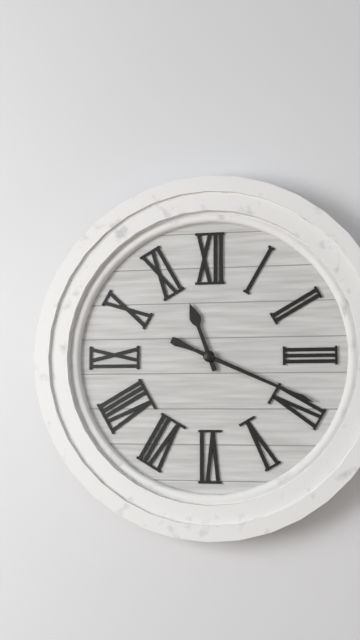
11:19
